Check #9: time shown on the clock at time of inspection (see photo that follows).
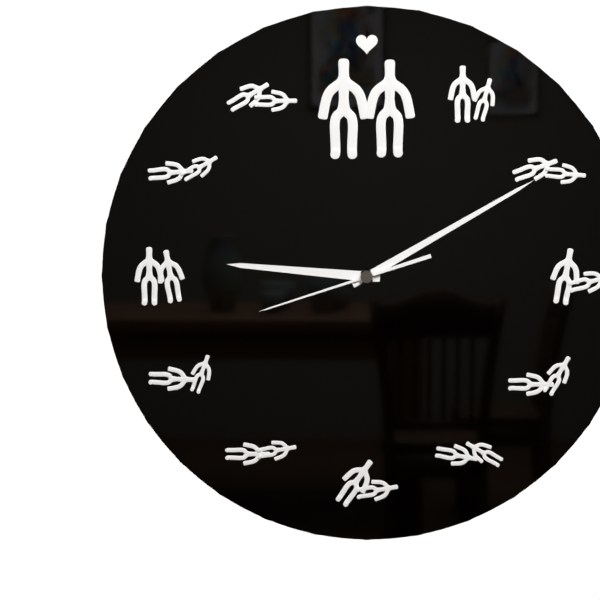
9:10:42
